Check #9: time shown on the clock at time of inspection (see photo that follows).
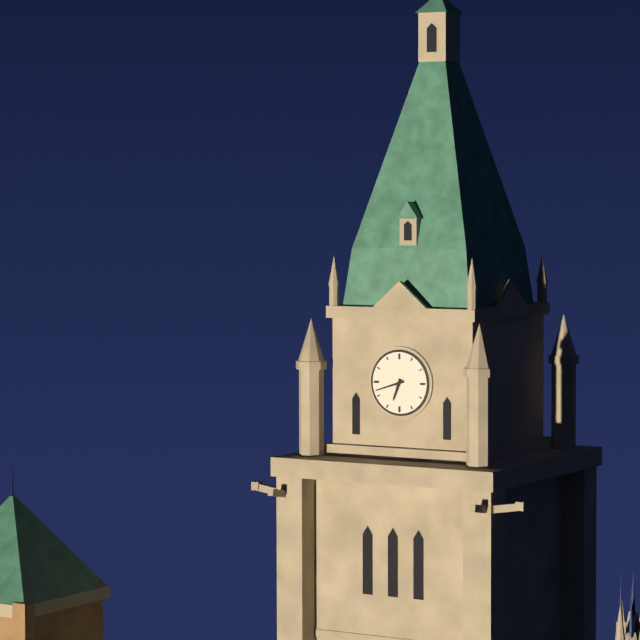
6:42
